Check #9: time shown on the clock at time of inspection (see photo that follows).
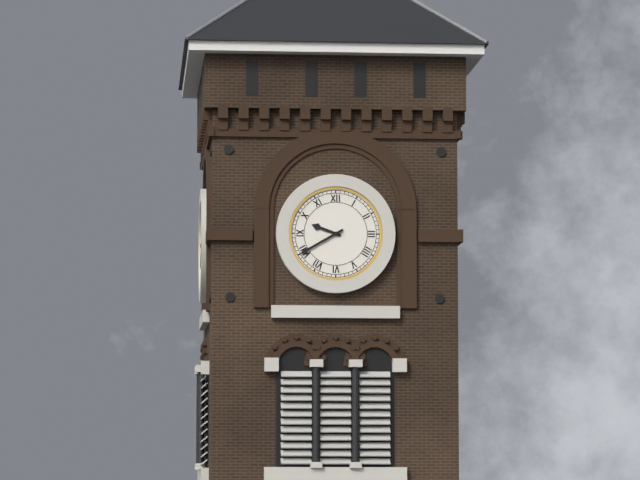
9:40
